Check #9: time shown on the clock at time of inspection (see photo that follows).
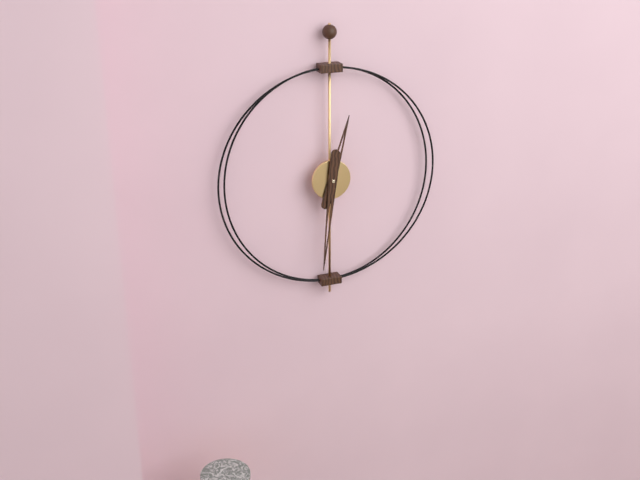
12:31
